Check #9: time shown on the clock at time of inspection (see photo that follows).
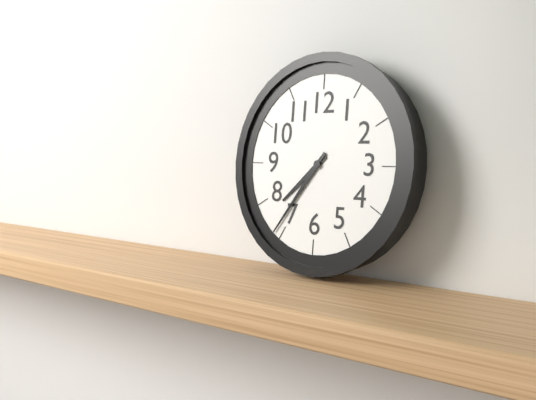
7:36
